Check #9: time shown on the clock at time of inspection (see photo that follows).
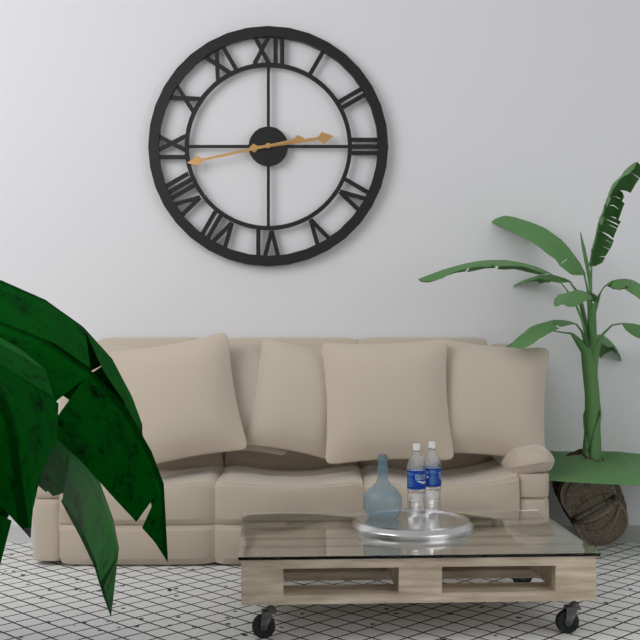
2:43
